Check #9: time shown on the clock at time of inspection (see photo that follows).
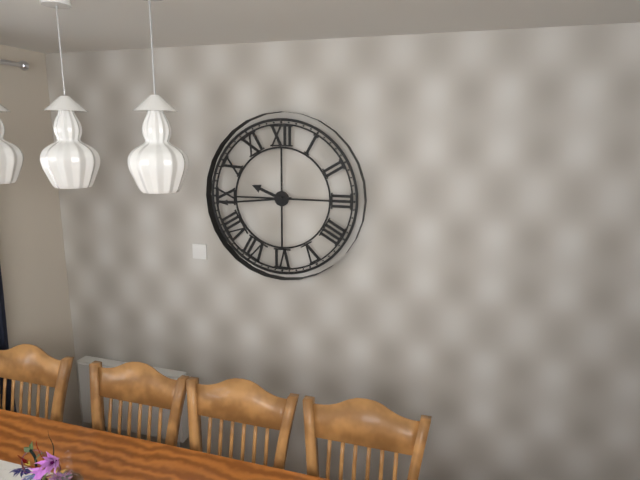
9:44
